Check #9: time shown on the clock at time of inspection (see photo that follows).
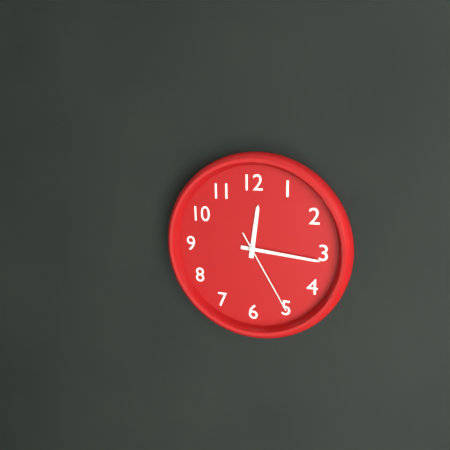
12:16:25
